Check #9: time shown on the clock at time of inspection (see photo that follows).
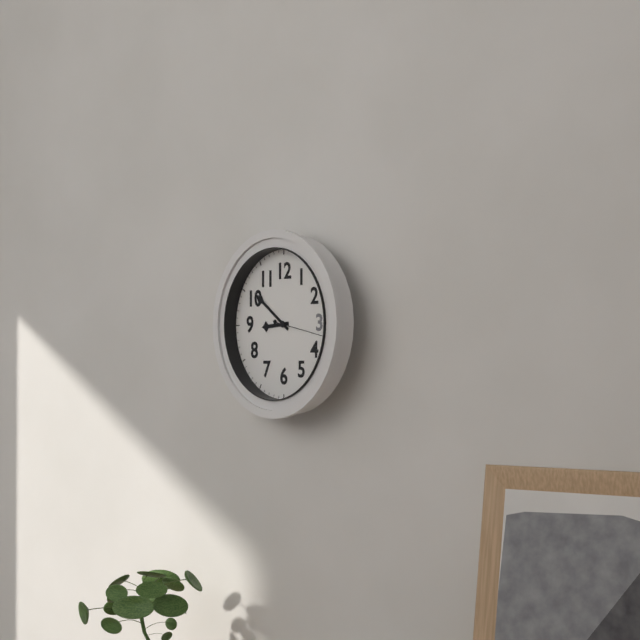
8:51:17
